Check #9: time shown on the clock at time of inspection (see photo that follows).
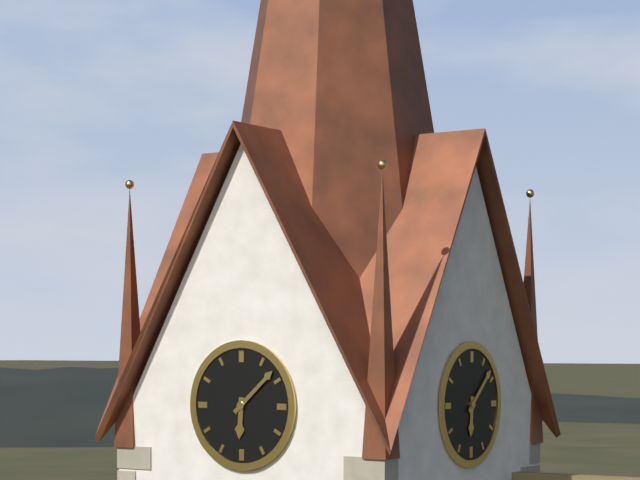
6:08
